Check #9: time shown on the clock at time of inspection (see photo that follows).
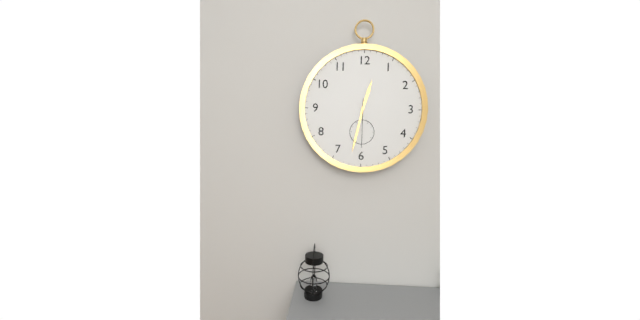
12:32
